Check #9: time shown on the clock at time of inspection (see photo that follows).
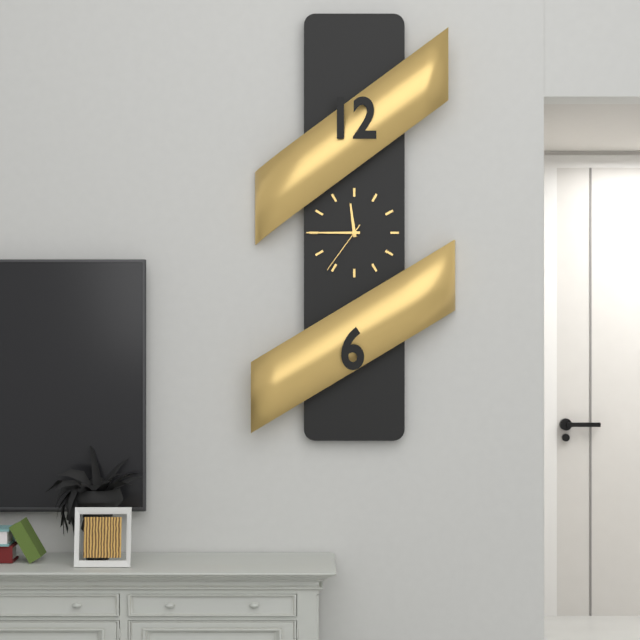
11:45:36
